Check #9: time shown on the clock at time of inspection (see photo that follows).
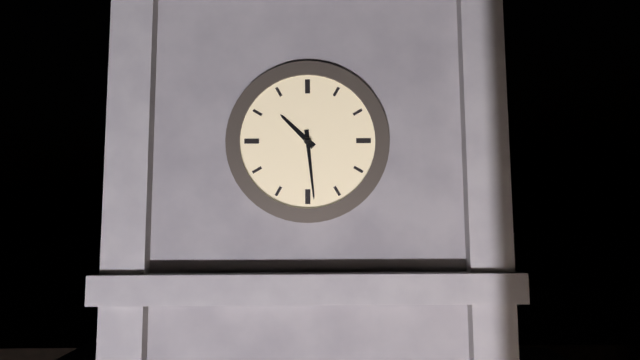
10:29
